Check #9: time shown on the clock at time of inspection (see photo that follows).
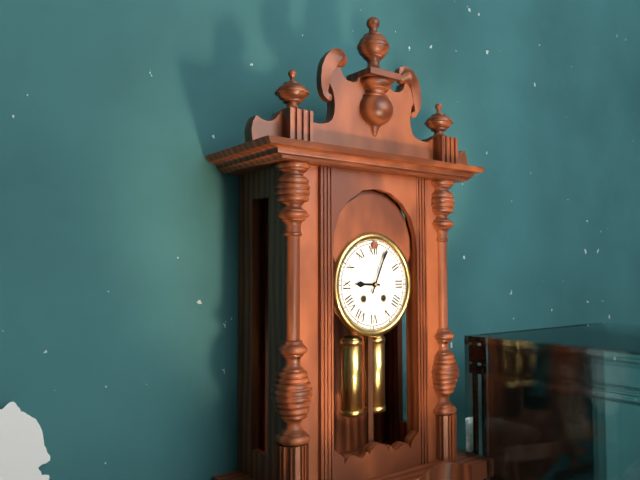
9:04
